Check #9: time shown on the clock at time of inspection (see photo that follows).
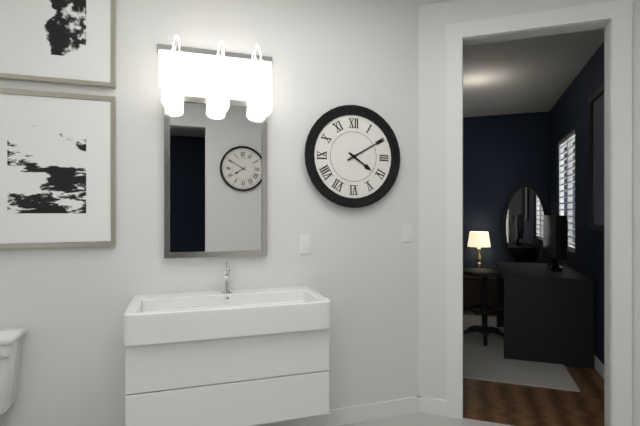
4:10
